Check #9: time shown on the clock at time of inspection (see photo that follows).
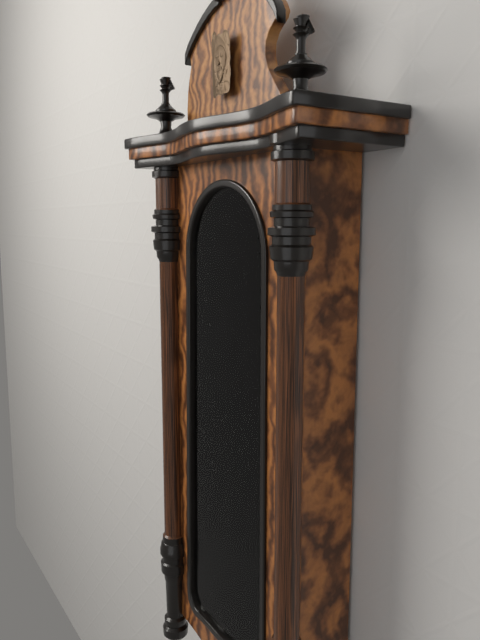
5:59
